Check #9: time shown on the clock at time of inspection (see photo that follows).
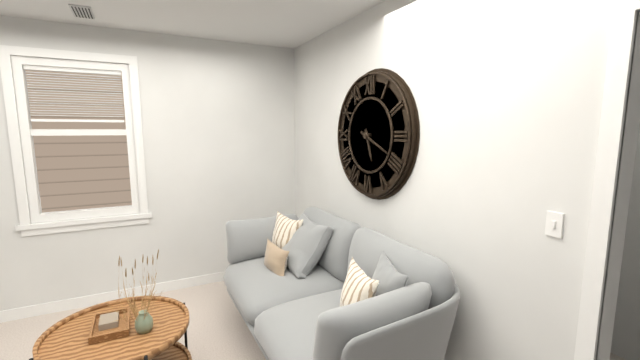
5:19
